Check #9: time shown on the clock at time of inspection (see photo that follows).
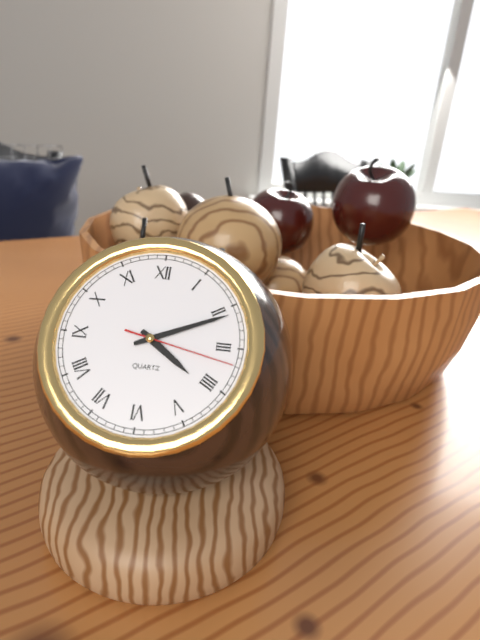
4:11:17
